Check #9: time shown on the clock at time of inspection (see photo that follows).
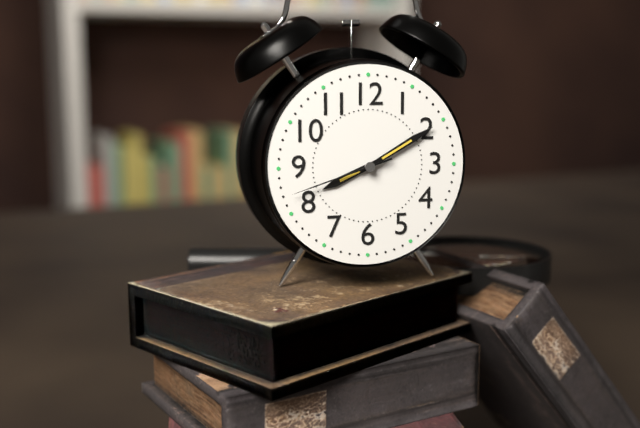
8:10:42
